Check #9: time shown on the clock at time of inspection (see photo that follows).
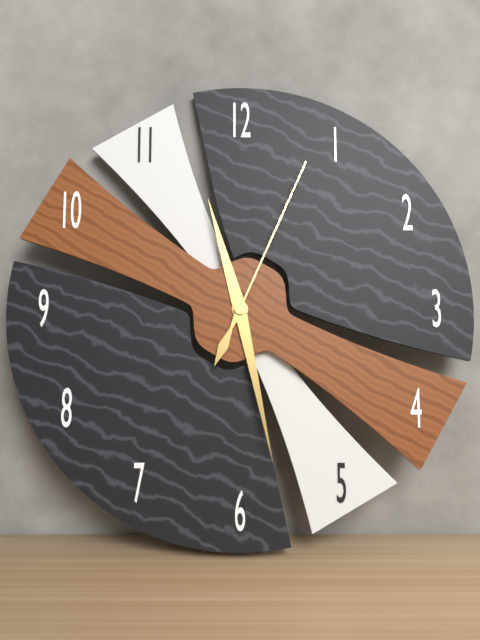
11:28:04
